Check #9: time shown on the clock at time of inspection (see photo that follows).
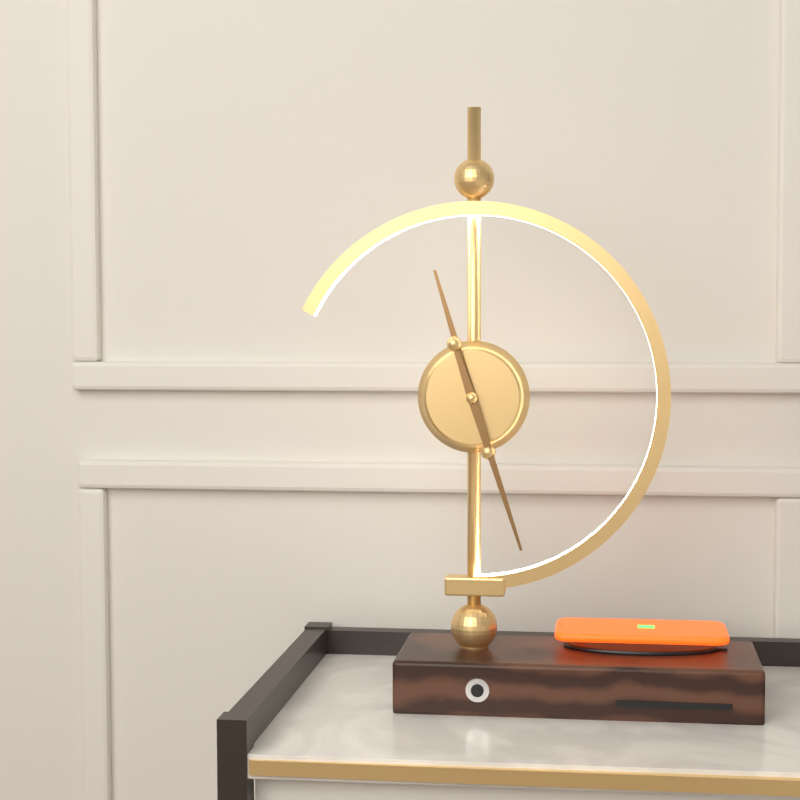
11:27
